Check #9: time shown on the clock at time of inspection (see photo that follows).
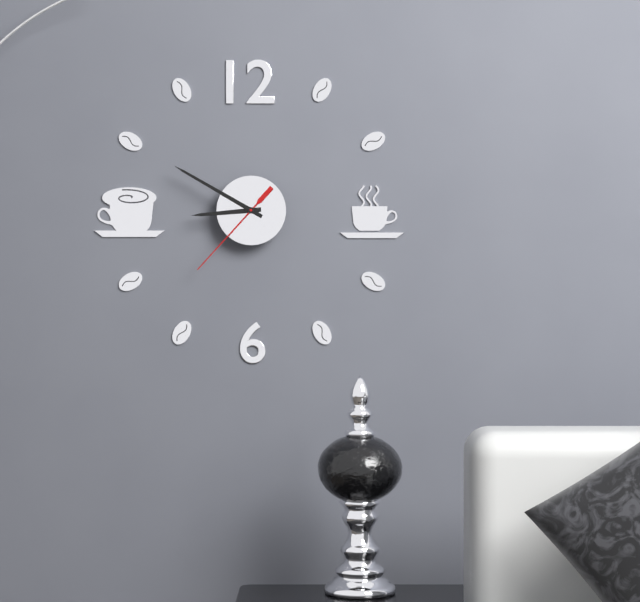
8:50:37
